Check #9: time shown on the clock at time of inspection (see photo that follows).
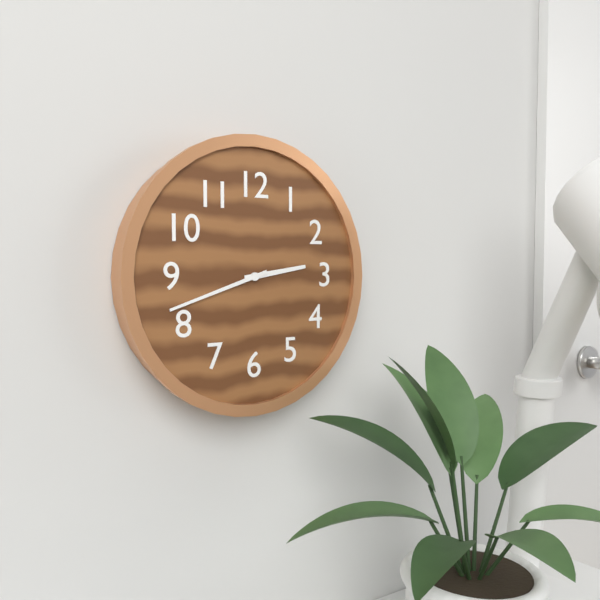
2:42
